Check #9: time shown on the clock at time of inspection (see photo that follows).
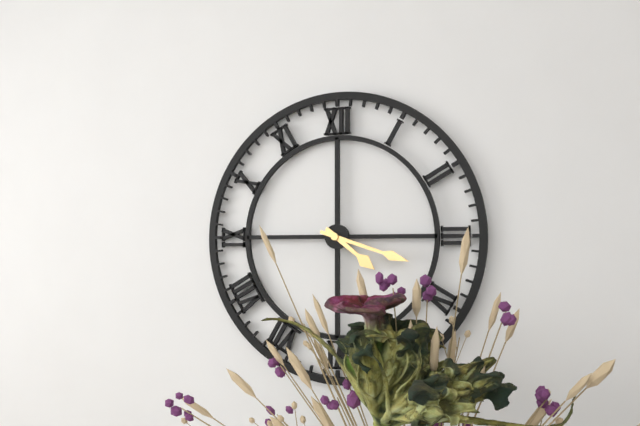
4:18
